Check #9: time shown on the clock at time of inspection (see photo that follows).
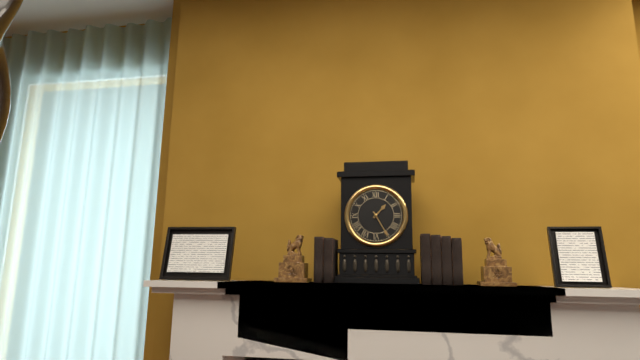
1:25
